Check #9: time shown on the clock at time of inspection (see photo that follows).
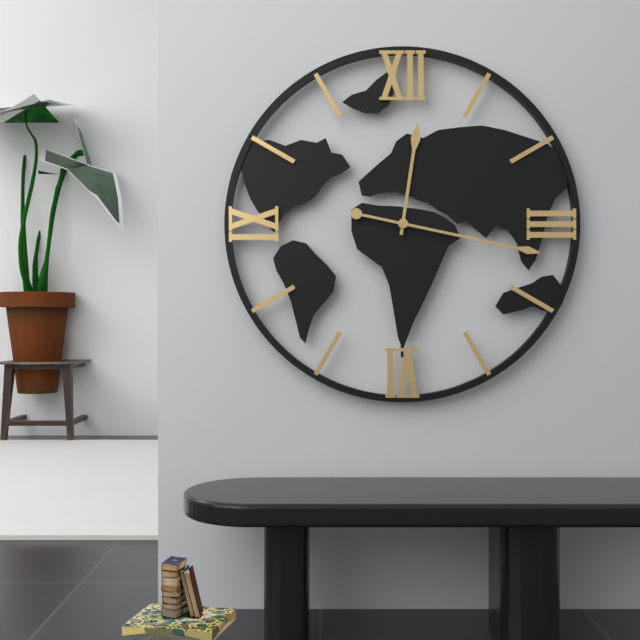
12:17
